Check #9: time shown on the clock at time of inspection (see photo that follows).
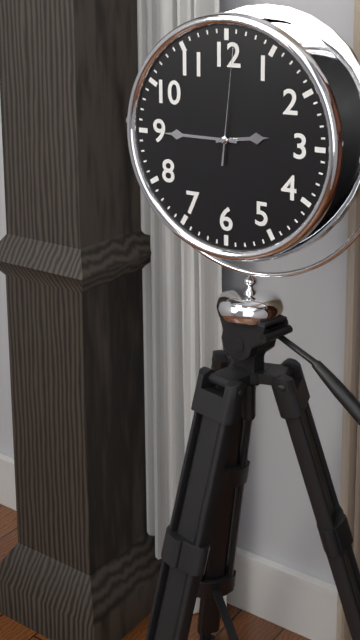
2:45:01
